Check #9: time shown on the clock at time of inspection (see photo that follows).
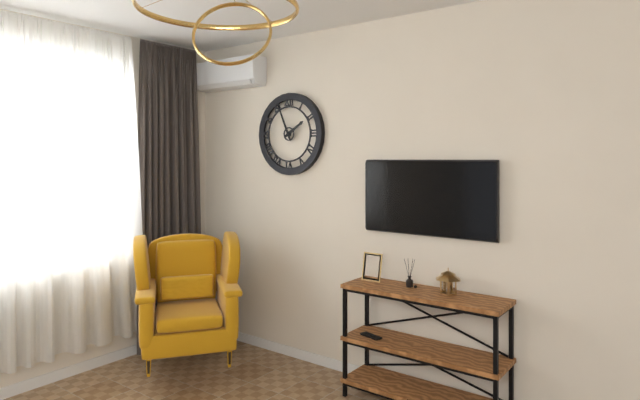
1:56
